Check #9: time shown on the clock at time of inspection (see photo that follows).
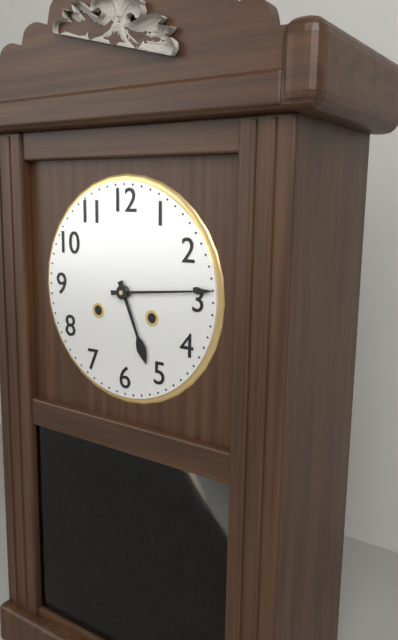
5:14
